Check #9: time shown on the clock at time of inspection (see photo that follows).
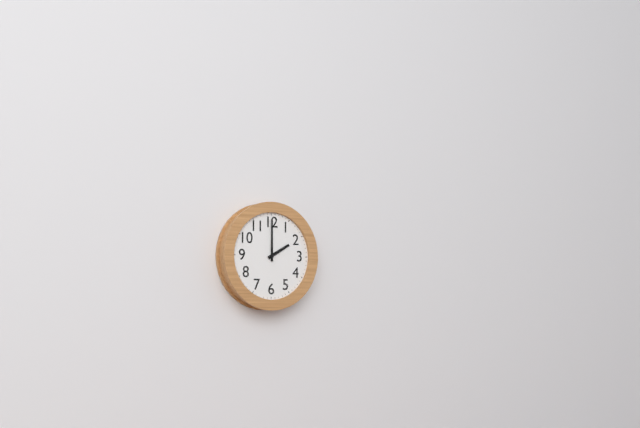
2:00
